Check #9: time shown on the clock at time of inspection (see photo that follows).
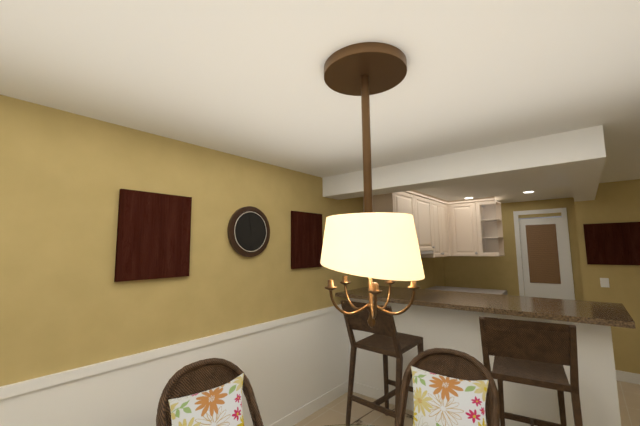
1:58
